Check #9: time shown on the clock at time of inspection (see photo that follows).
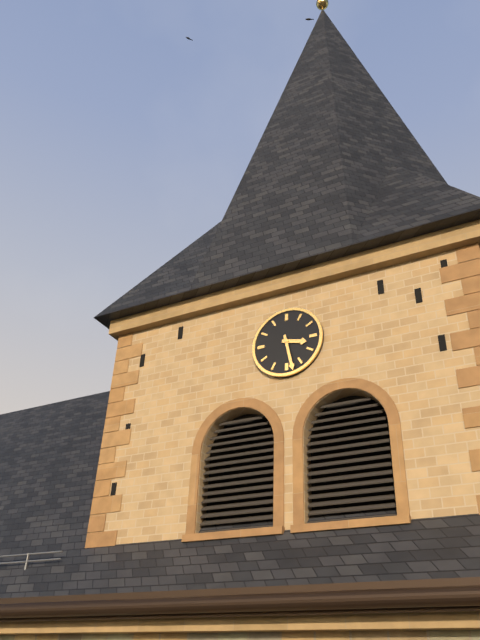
3:28
